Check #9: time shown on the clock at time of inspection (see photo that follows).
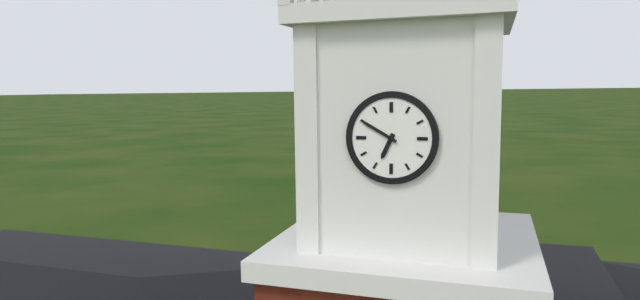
6:50
